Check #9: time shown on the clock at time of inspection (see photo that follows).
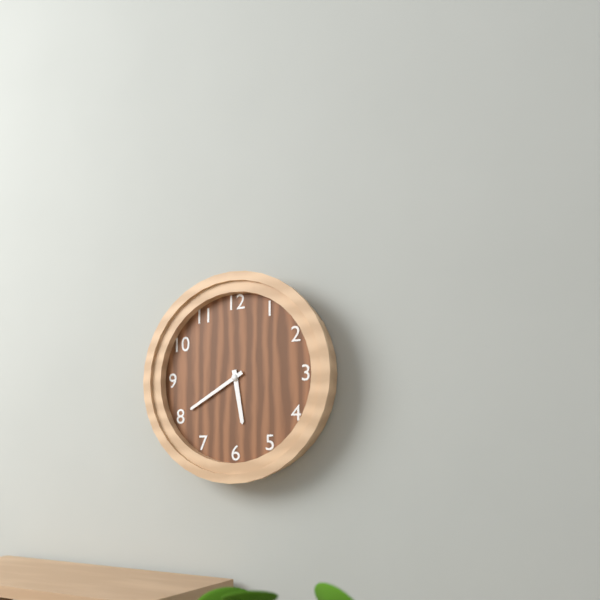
5:40
